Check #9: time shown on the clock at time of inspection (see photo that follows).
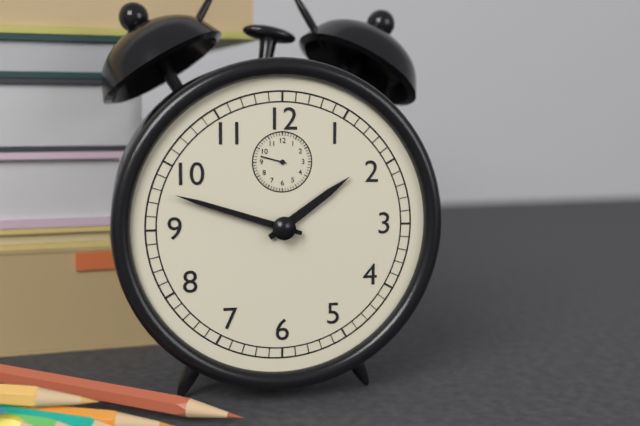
1:48
